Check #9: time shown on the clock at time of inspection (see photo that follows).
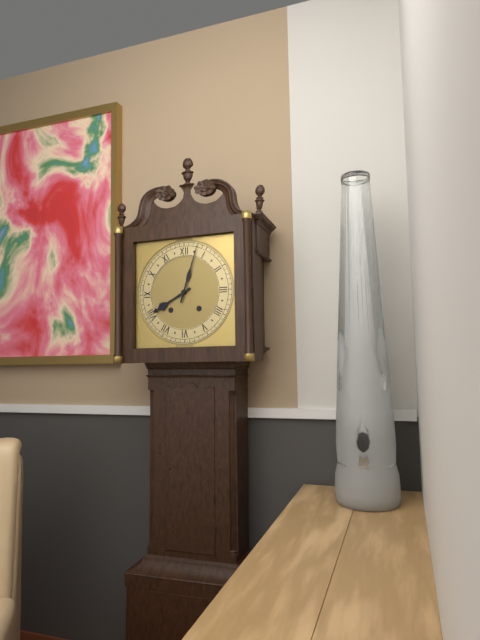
8:03
